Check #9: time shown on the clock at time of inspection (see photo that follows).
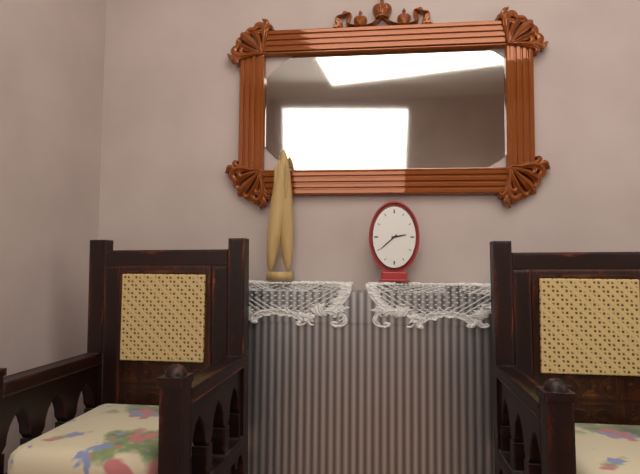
2:38
